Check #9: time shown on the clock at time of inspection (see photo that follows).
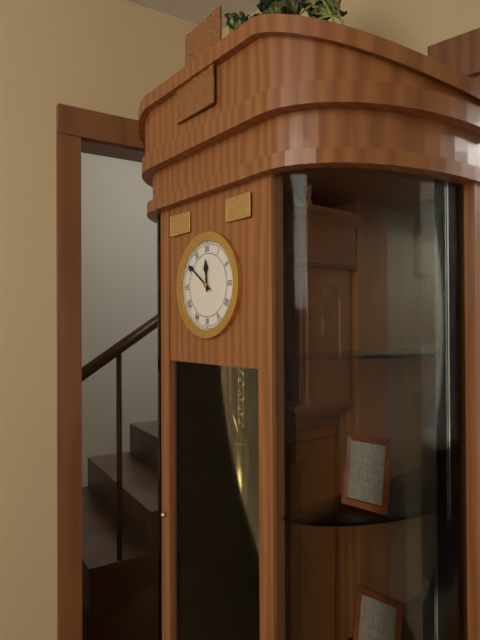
11:51
